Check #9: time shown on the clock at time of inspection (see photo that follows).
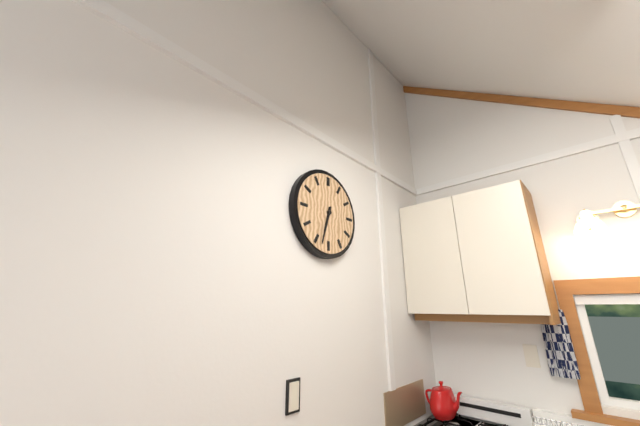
6:33
